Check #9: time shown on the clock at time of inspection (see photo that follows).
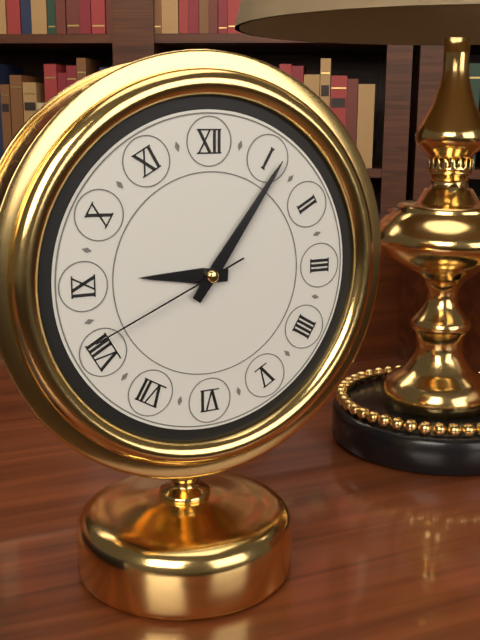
9:06:41
